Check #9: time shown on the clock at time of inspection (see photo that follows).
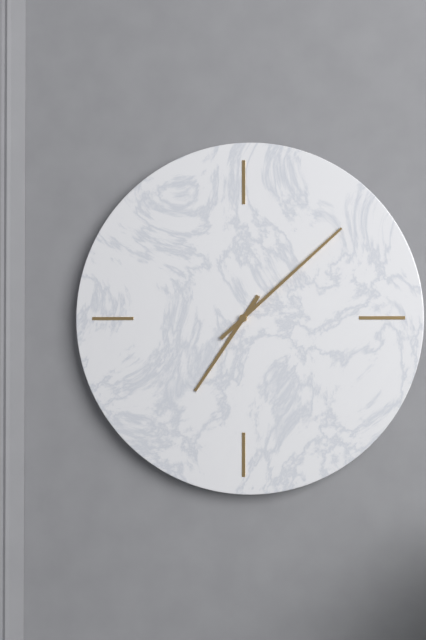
7:08
